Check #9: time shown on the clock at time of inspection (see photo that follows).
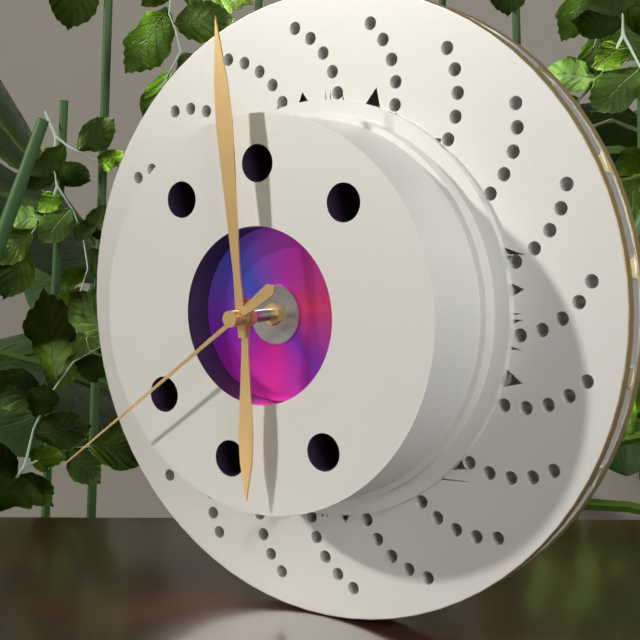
5:59:39
